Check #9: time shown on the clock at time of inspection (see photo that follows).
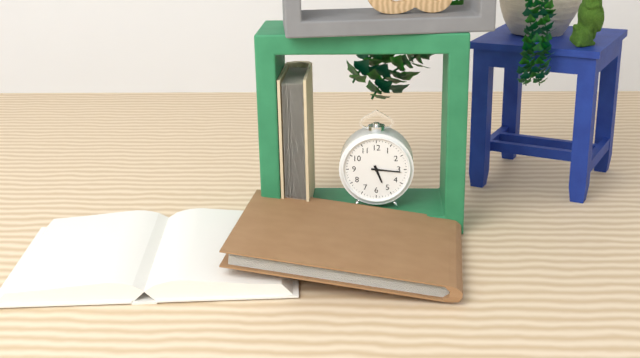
5:16
